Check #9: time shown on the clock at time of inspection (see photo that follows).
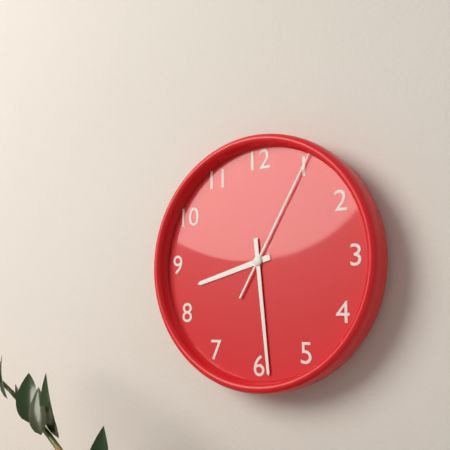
8:29:05
